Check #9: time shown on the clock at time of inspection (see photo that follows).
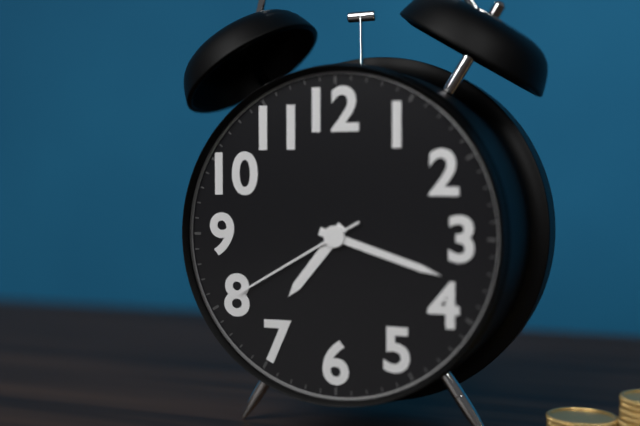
7:18:40
